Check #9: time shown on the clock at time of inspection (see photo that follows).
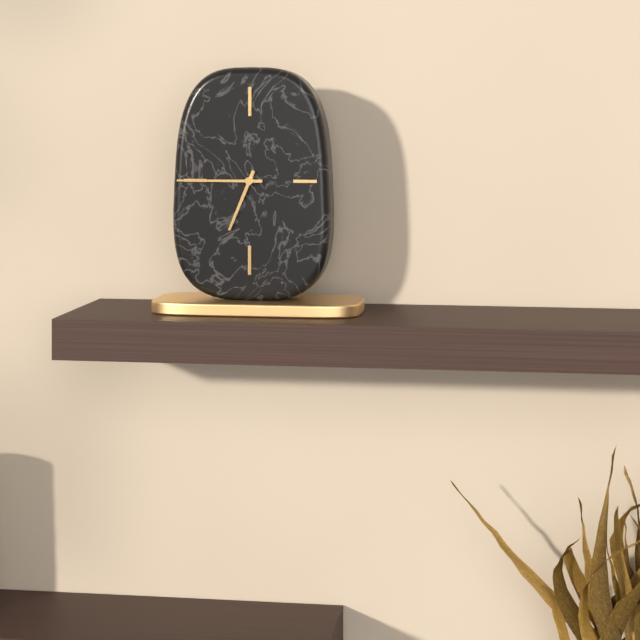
6:45
